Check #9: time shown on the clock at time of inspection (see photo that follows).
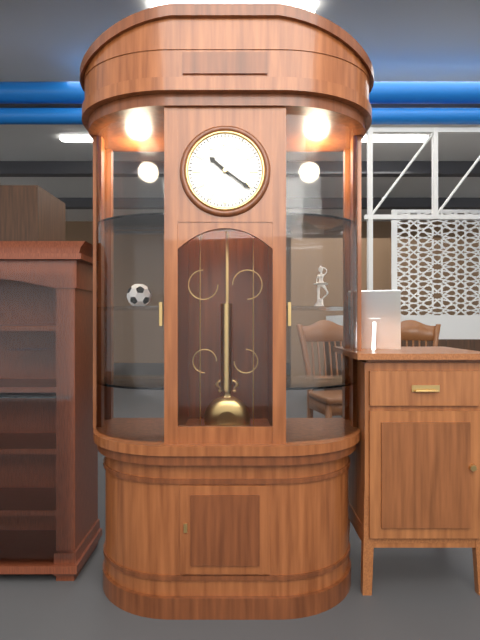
10:21
